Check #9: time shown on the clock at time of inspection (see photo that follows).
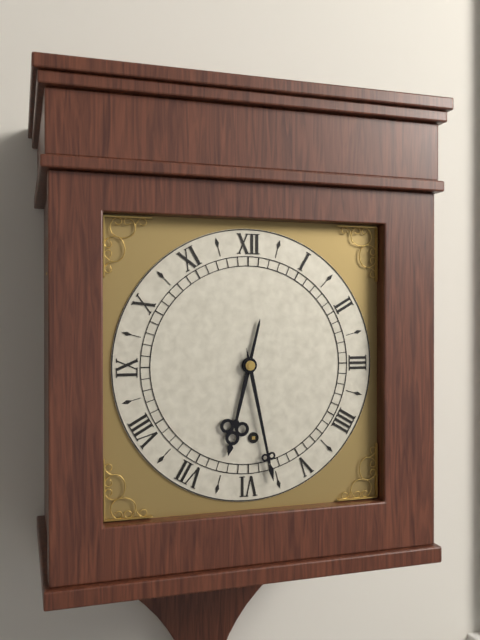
6:28
